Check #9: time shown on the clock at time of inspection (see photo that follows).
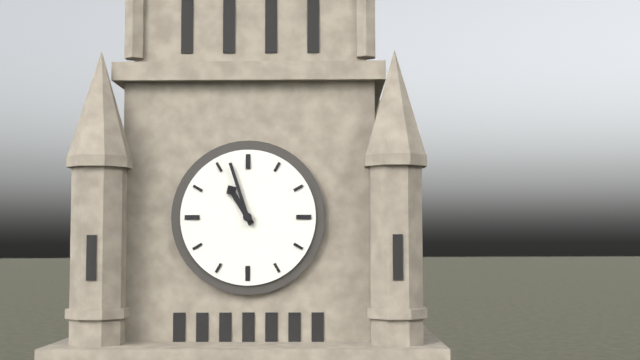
10:57
